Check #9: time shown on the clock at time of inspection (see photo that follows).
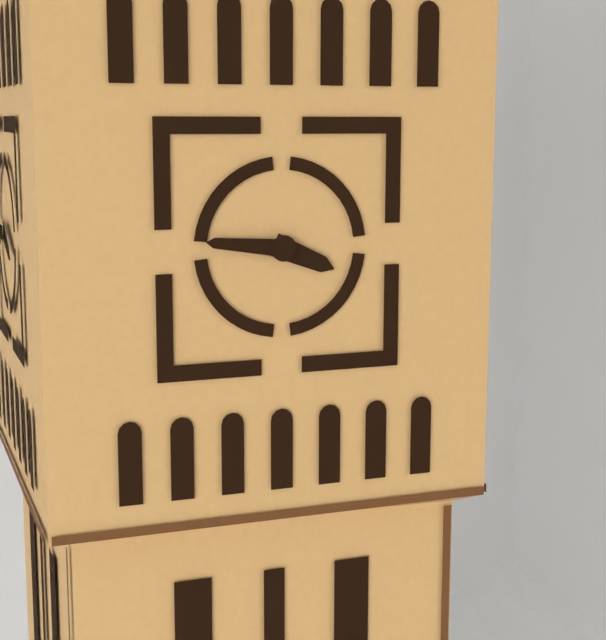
3:46
